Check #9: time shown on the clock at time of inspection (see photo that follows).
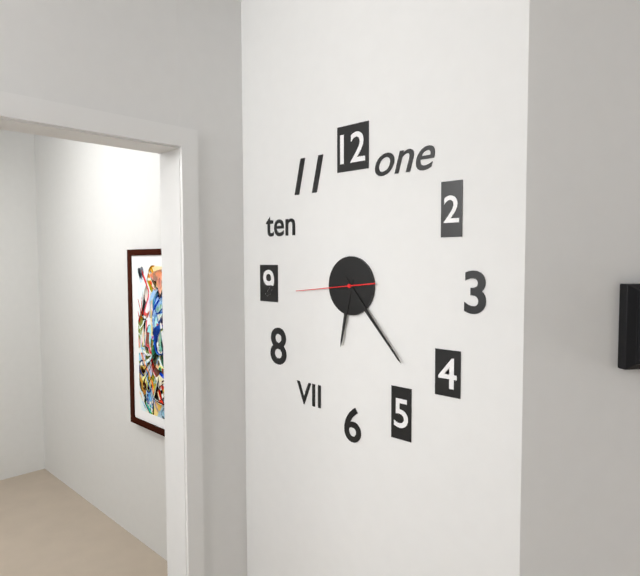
6:23:44
